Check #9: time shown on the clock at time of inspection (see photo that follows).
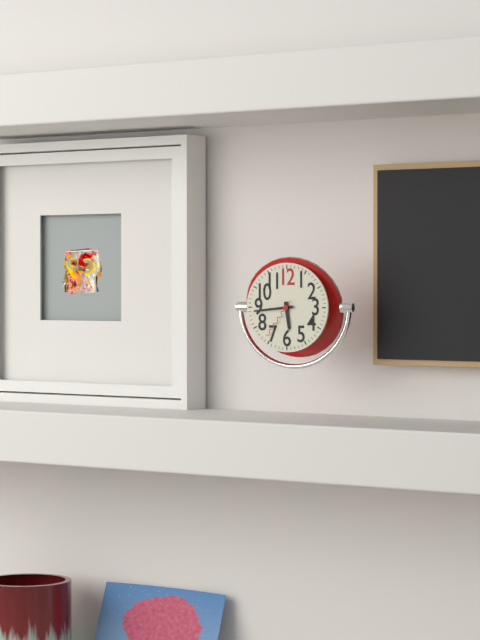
5:44
